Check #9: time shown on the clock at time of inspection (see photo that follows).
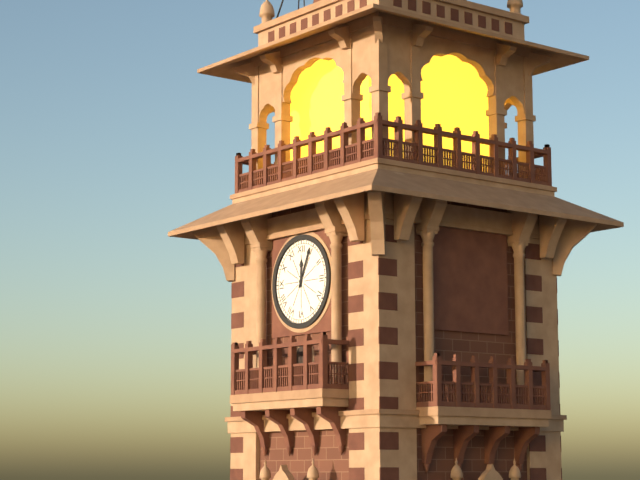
12:04
